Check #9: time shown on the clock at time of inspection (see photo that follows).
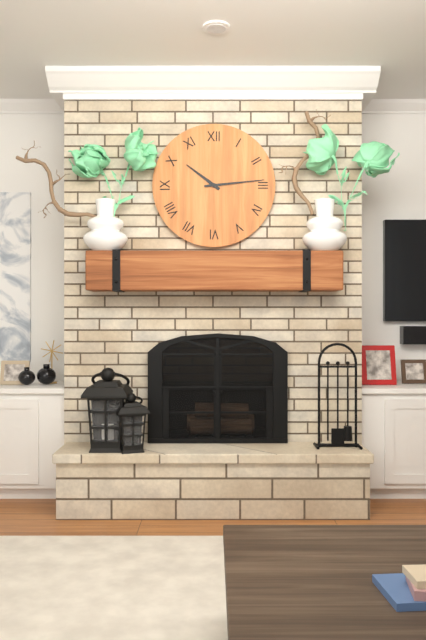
10:14
